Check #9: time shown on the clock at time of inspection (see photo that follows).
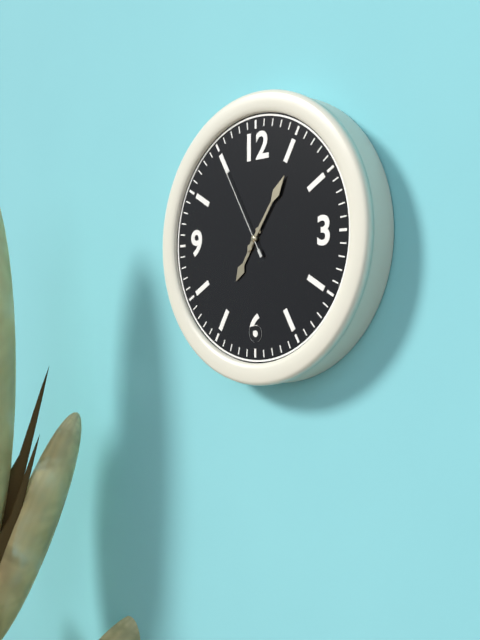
7:06:55
